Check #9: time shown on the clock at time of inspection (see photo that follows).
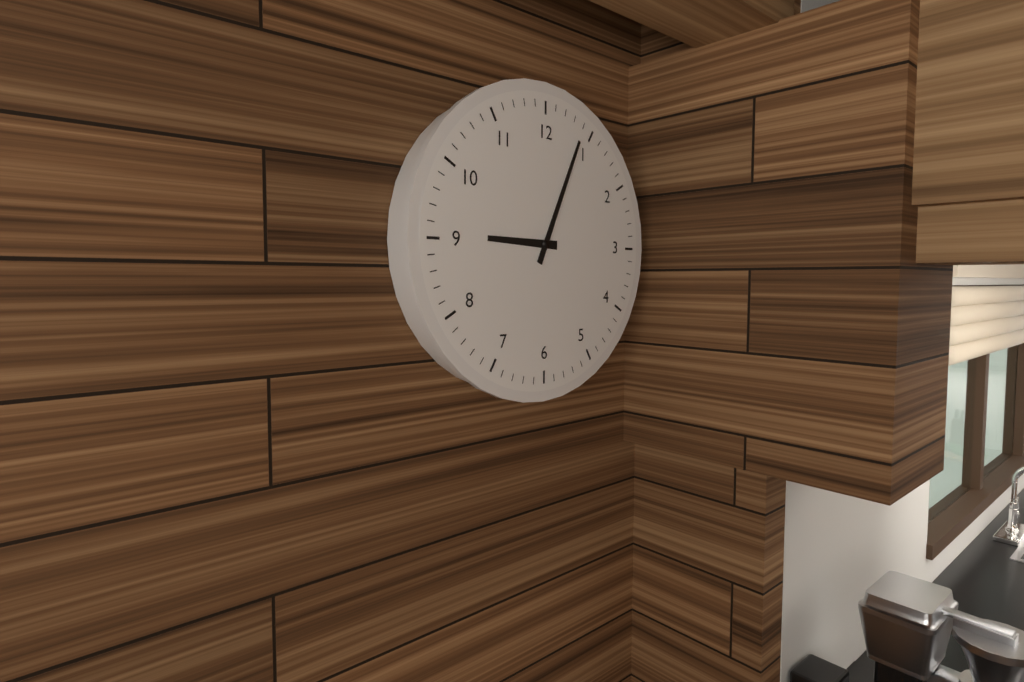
9:04
